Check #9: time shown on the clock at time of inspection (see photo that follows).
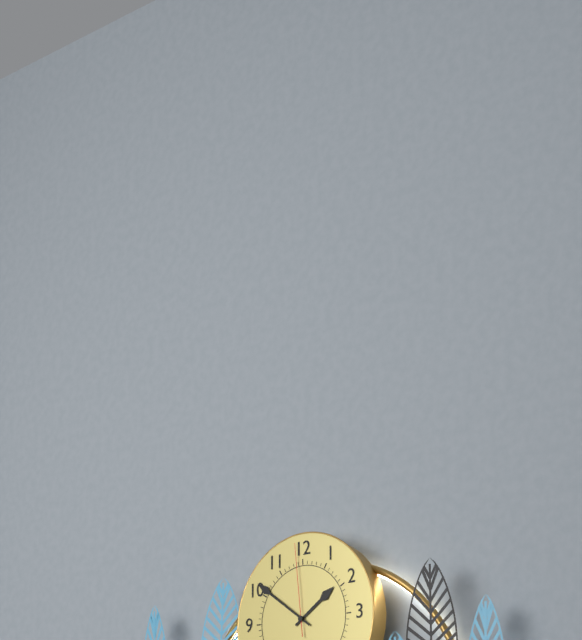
1:51:59
